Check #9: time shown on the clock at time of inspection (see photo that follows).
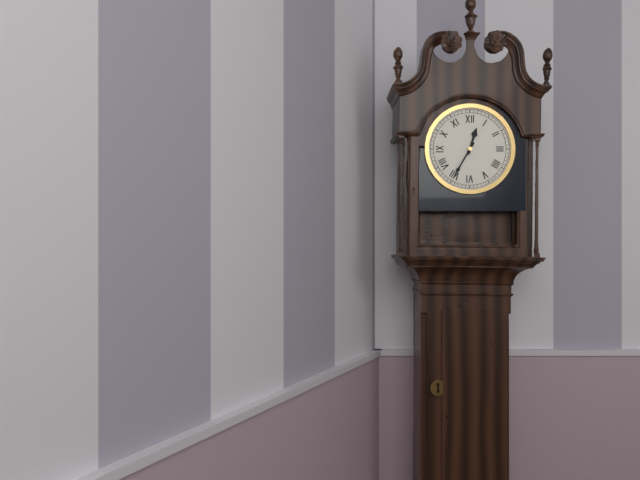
12:35
